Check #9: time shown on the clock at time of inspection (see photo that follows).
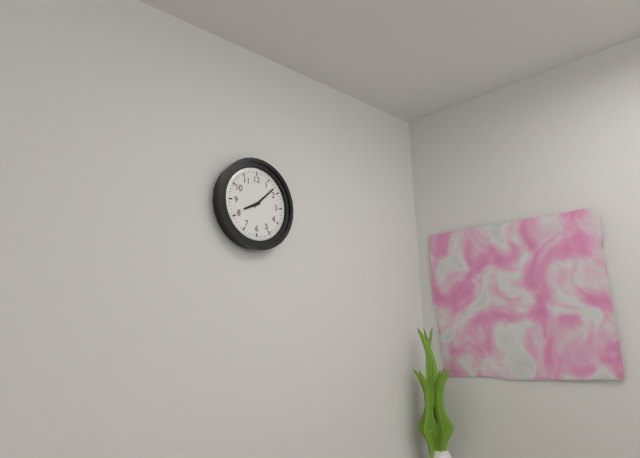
8:08
